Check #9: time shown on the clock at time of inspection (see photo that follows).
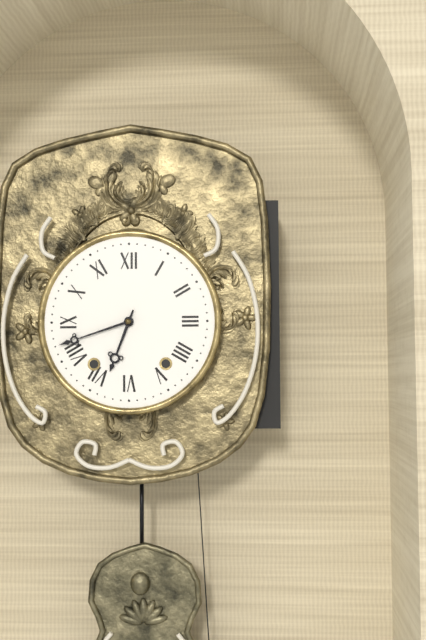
6:42
